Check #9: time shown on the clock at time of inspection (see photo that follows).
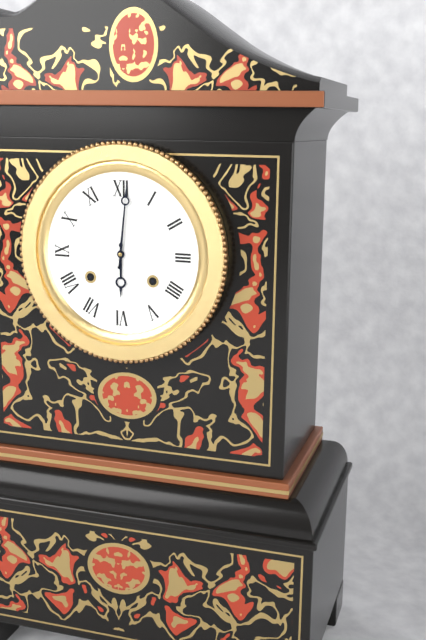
6:01
